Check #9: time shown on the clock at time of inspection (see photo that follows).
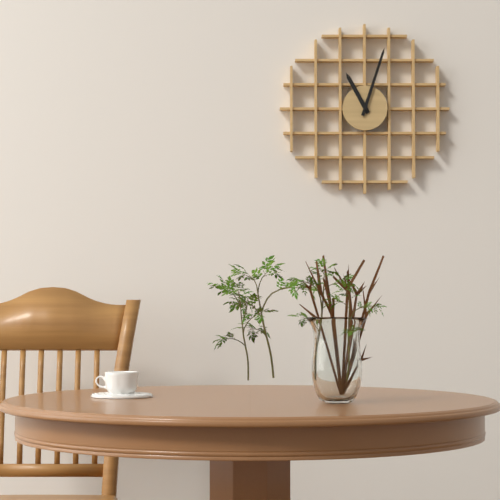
11:03
